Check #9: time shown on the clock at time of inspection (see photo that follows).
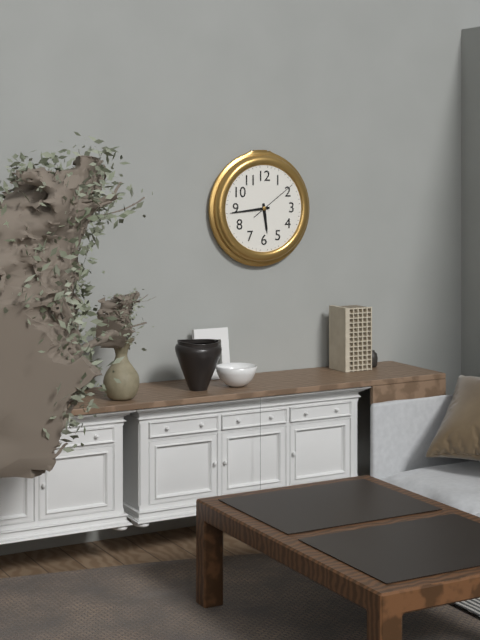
5:44
